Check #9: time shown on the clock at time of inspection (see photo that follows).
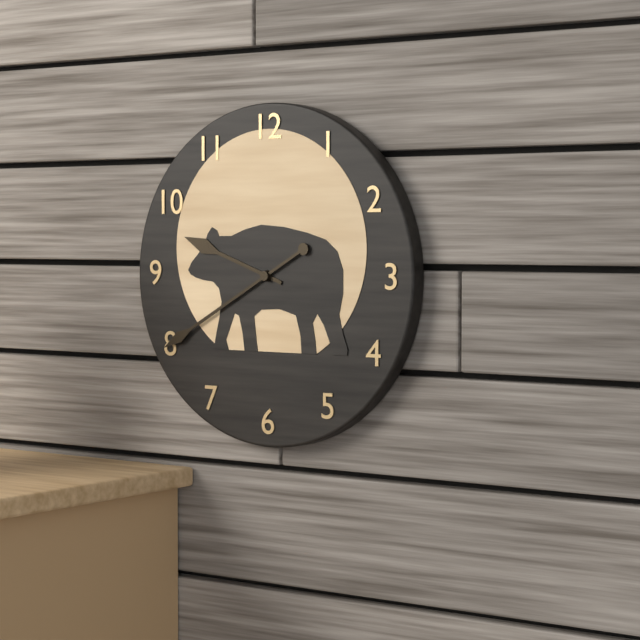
9:40
